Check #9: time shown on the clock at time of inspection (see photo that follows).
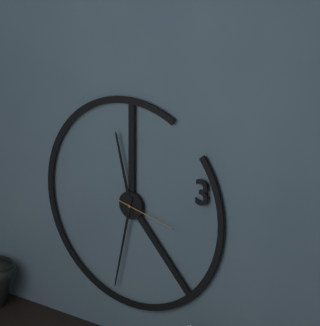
11:32:17
